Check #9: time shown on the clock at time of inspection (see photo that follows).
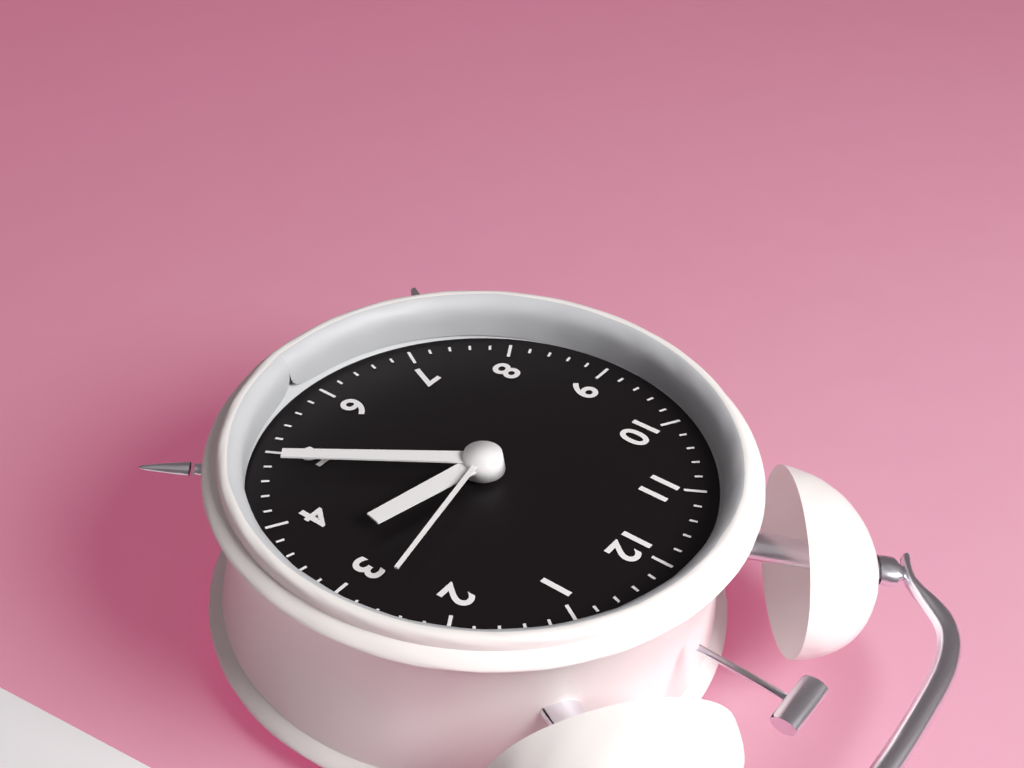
3:24:13
